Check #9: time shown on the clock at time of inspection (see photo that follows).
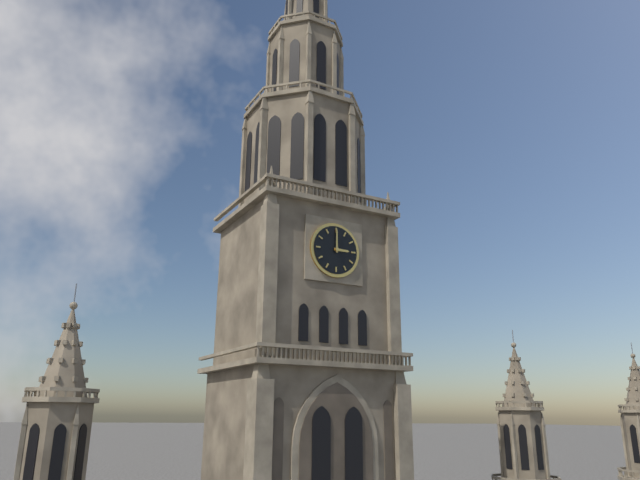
3:00
